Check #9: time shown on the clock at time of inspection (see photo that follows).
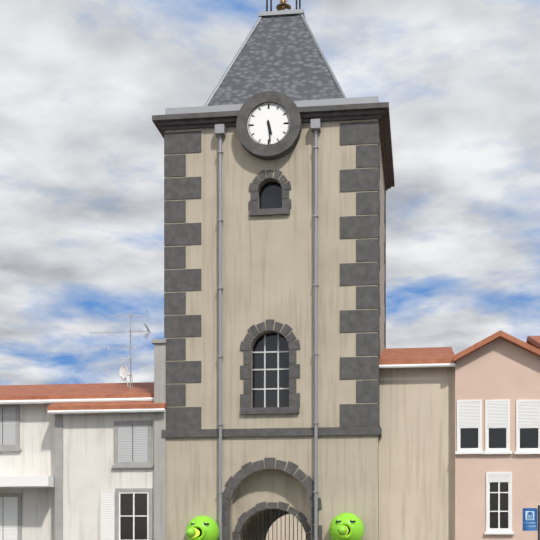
5:29
